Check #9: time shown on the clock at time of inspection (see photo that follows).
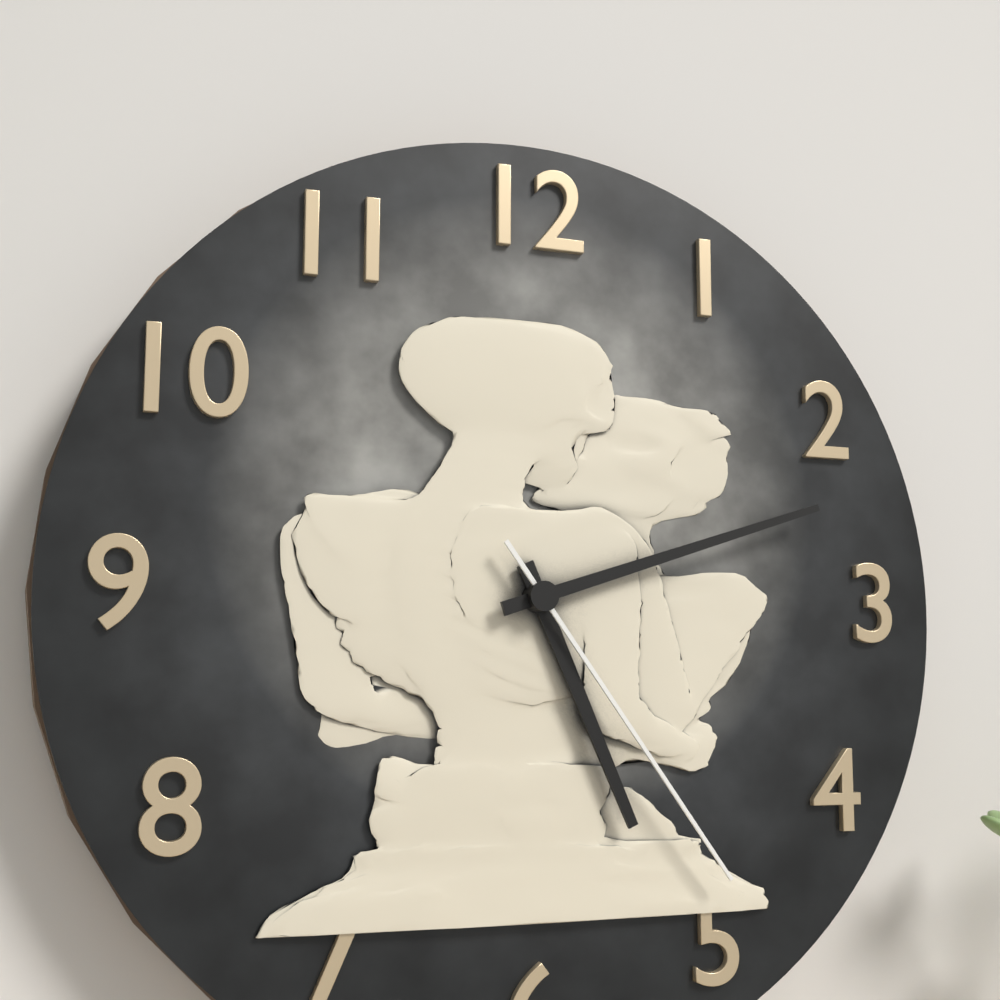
5:12:24
